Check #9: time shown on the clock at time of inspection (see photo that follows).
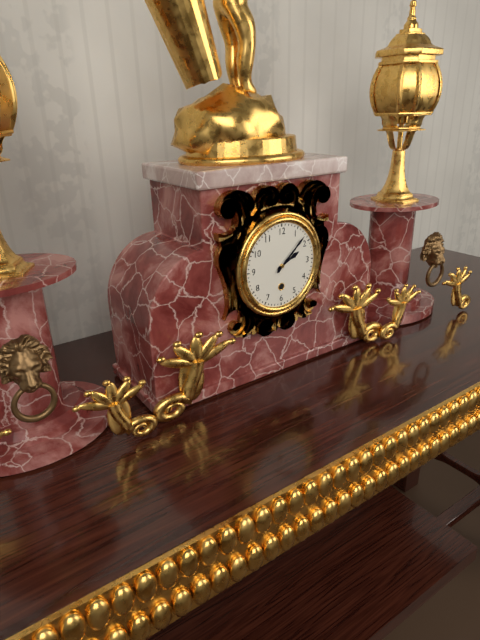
2:08
